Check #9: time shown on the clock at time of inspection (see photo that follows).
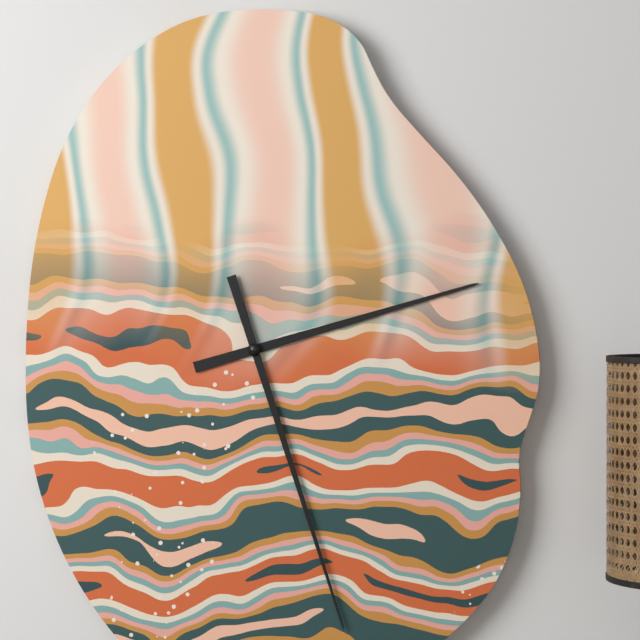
2:27
